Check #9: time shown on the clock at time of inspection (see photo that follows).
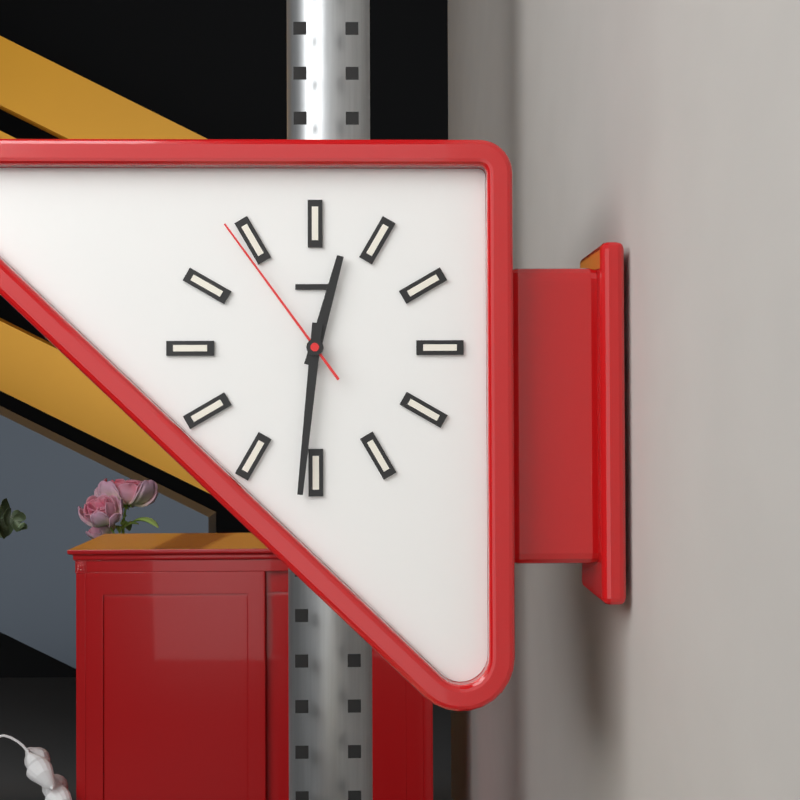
12:31:54
